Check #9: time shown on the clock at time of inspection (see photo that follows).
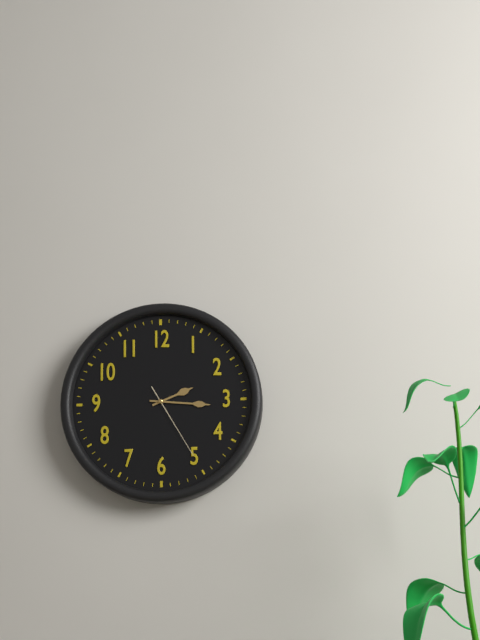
2:16:25
